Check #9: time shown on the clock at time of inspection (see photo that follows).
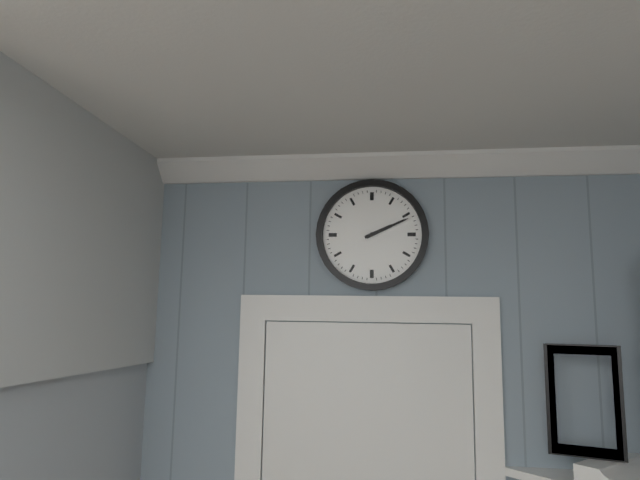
2:11
